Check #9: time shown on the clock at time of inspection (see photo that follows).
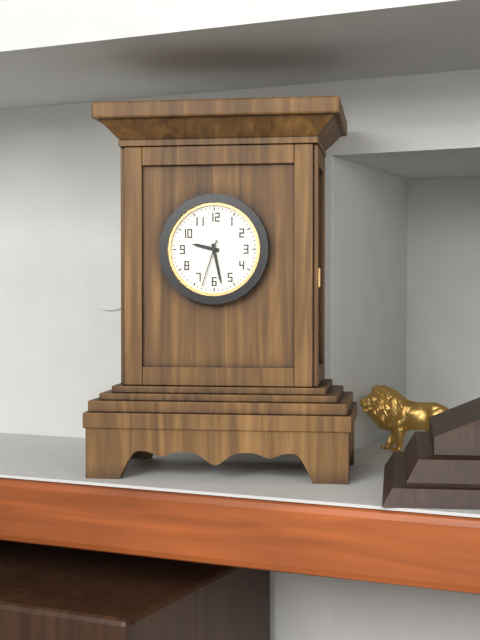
9:28:33
